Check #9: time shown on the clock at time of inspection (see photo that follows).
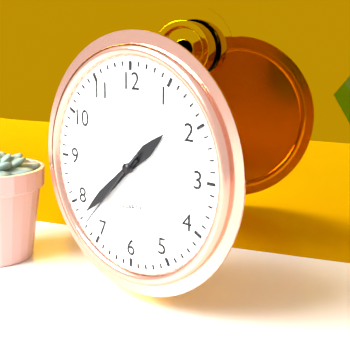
1:38:37
